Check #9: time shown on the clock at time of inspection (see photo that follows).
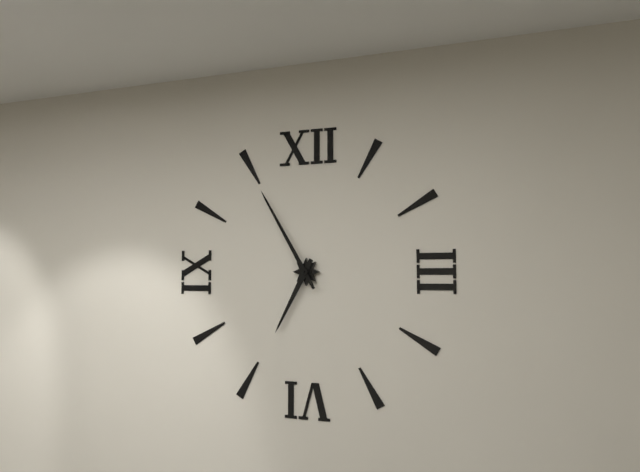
6:55
